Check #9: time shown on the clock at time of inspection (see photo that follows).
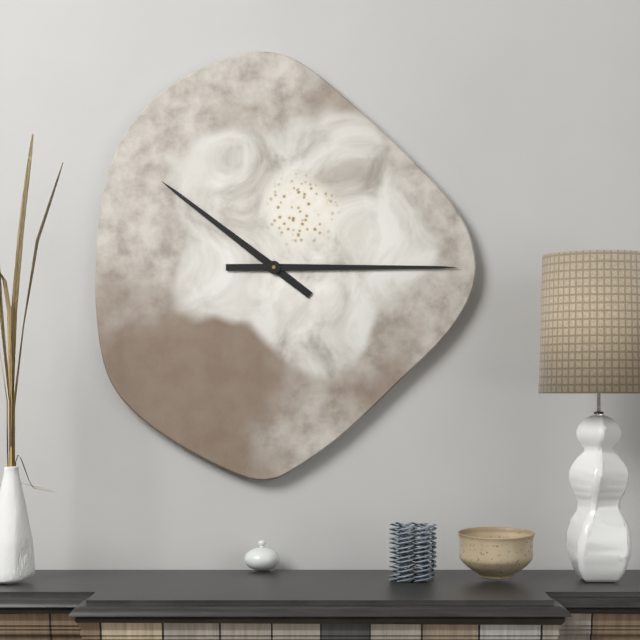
10:15
